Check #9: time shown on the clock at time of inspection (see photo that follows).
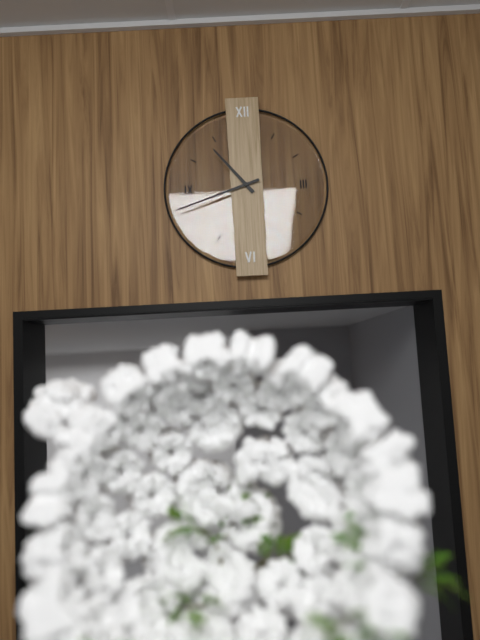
10:42
